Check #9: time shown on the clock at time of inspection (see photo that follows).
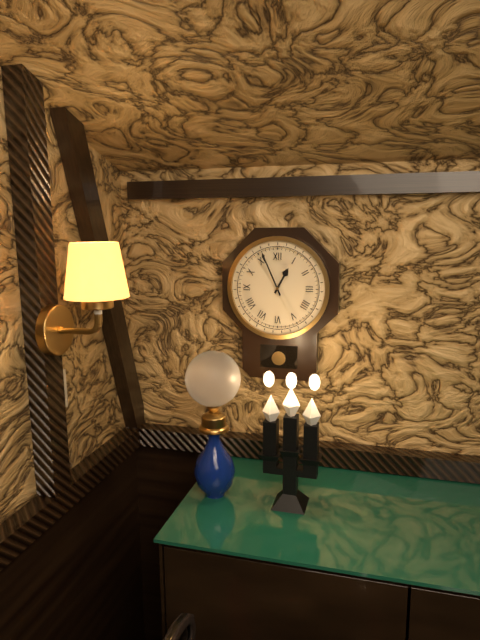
12:56
